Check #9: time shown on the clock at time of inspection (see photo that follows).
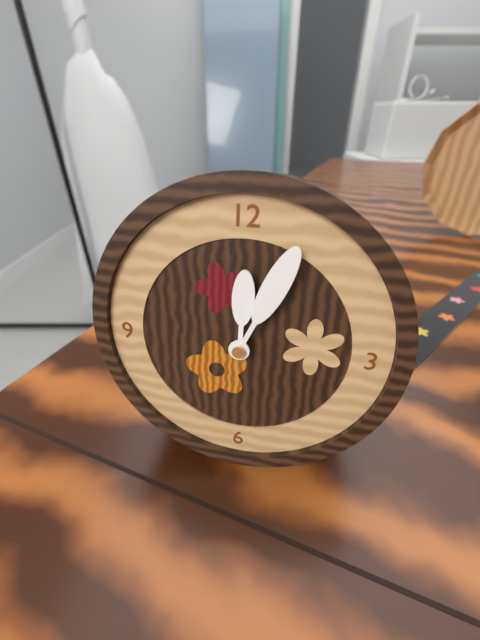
12:04
